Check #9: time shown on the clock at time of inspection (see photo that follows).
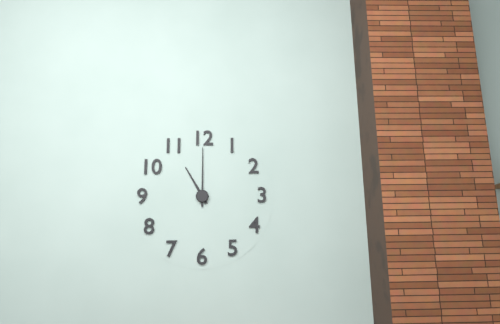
11:00
